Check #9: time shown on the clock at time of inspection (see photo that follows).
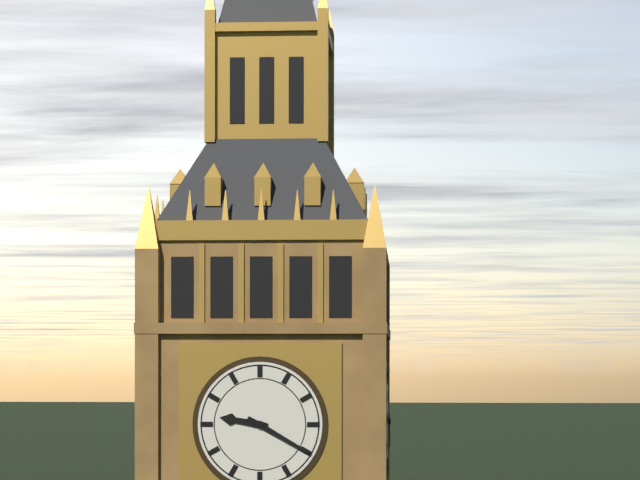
9:20
